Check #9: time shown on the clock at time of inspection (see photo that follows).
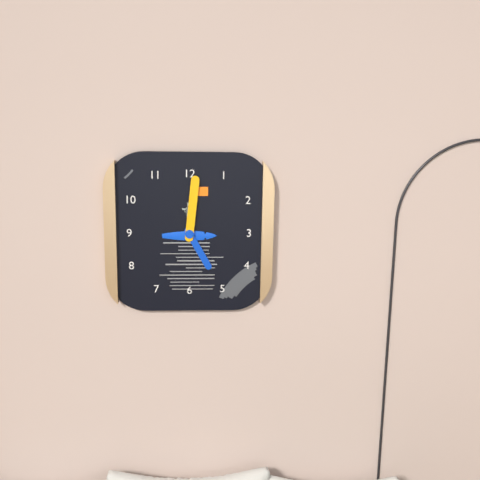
5:01
